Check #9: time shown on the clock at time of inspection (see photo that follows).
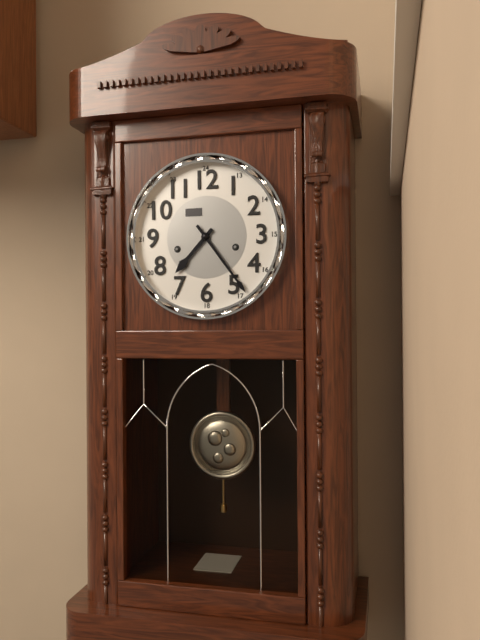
7:24
